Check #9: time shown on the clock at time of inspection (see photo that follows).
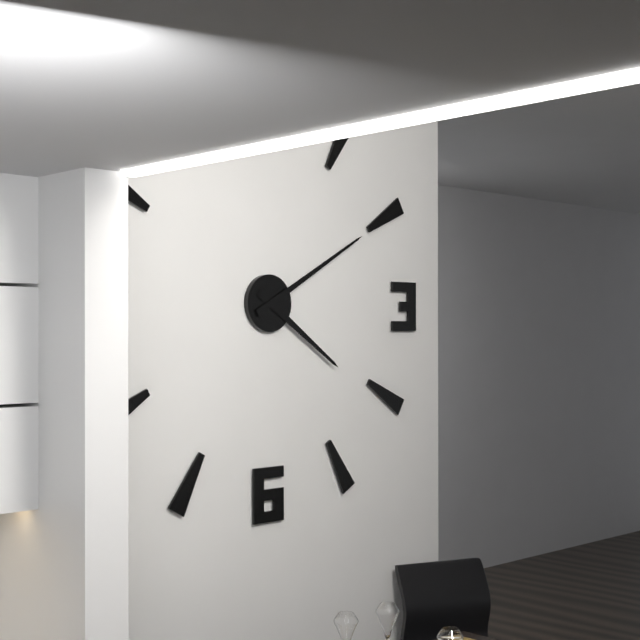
4:10
